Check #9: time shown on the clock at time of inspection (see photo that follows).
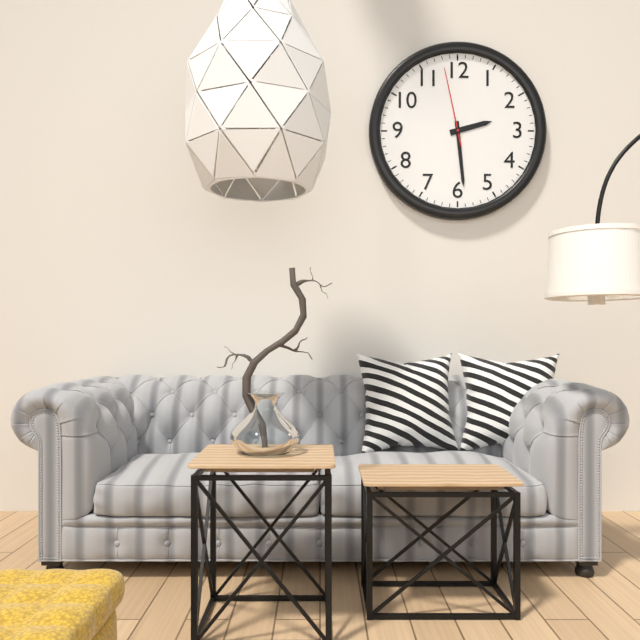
2:29:58
